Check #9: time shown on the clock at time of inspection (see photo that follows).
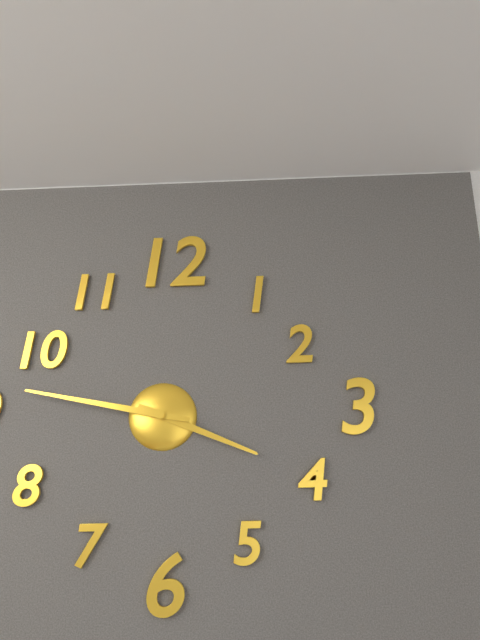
3:47
